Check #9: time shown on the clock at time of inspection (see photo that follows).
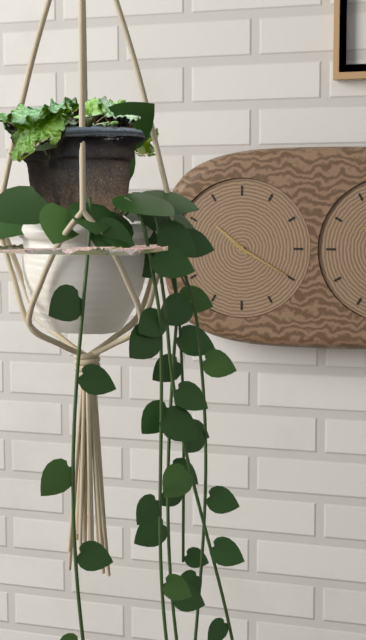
10:20
